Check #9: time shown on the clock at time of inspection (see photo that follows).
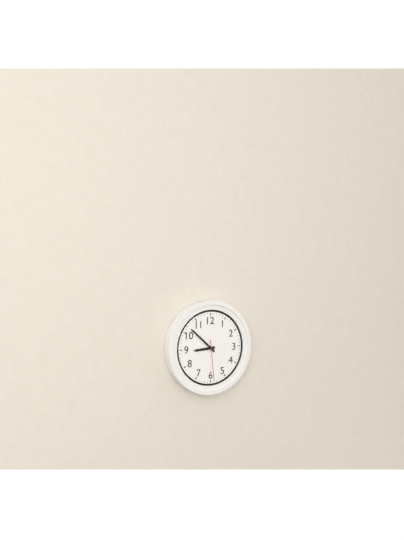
8:52
